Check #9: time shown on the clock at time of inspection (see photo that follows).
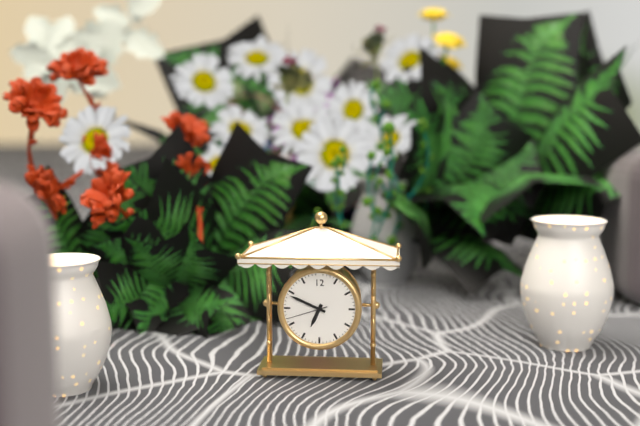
6:49
